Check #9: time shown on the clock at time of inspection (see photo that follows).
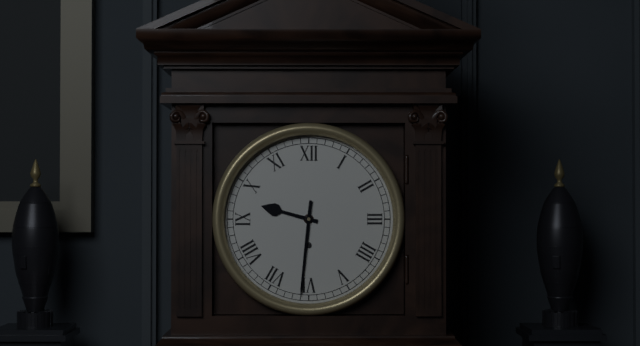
9:31
